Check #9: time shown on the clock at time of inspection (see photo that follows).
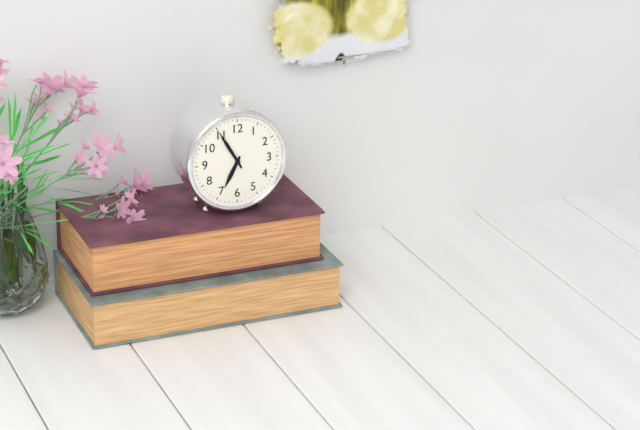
6:55
